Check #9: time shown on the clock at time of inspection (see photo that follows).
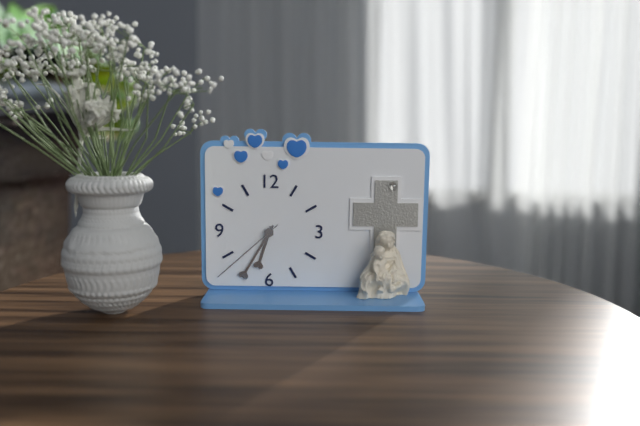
6:35:38
